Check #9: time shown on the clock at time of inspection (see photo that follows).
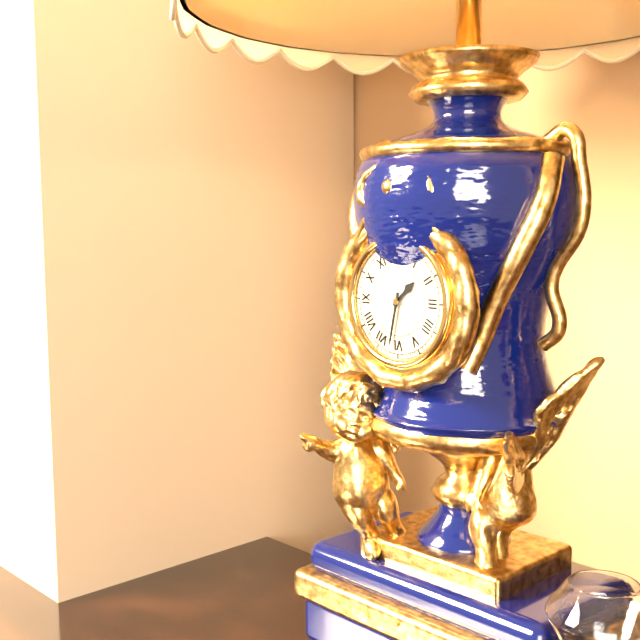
1:32
